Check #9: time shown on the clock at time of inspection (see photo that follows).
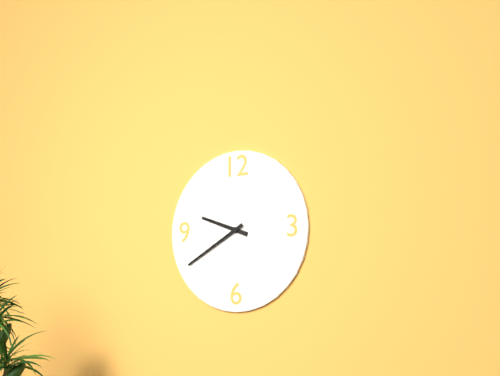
9:40
